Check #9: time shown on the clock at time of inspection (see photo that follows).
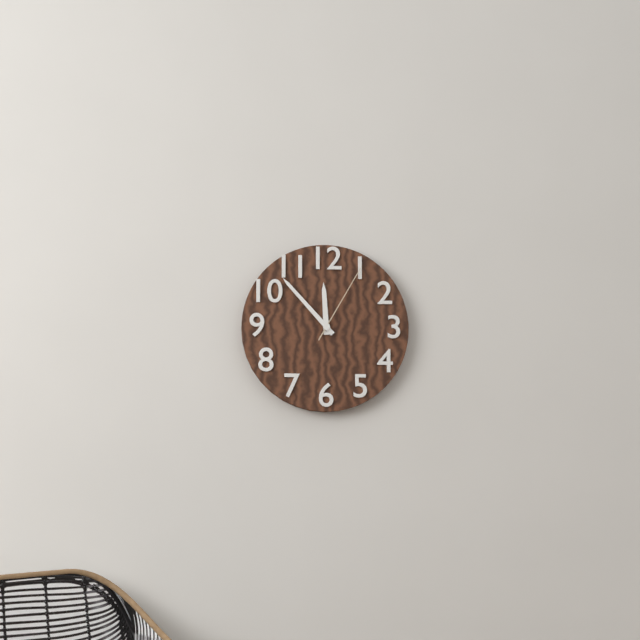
11:53:05
